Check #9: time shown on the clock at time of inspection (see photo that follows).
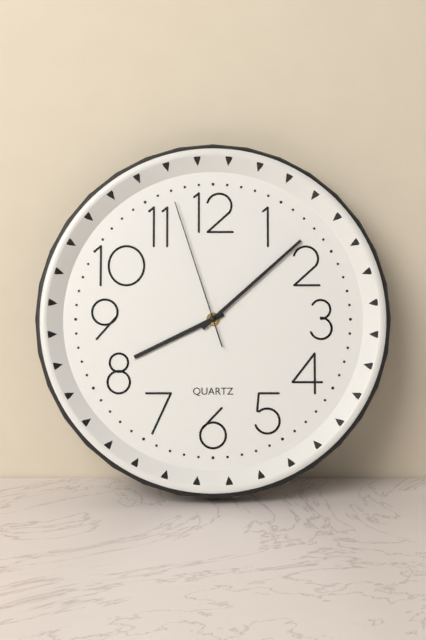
8:08:57
